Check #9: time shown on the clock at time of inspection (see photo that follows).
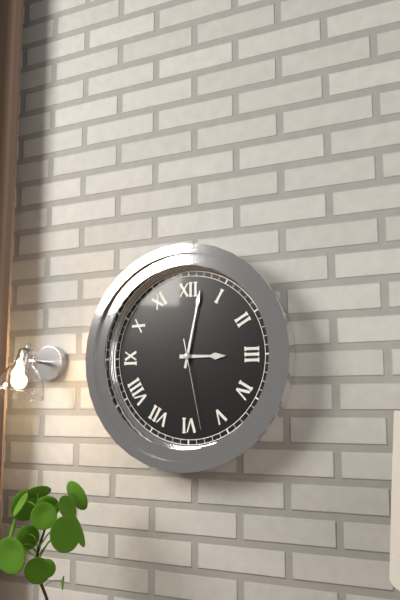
3:02:28
